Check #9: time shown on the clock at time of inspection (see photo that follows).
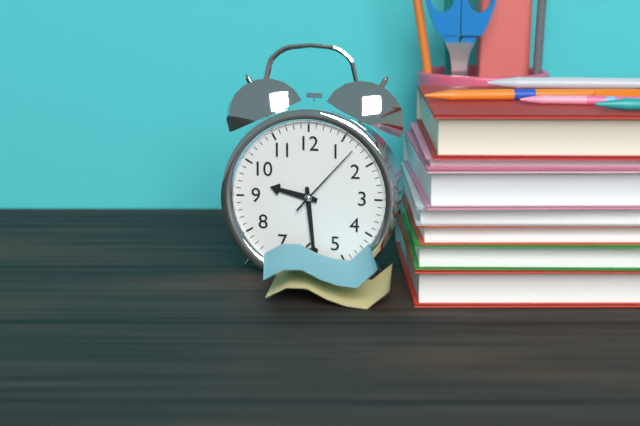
9:29:07
